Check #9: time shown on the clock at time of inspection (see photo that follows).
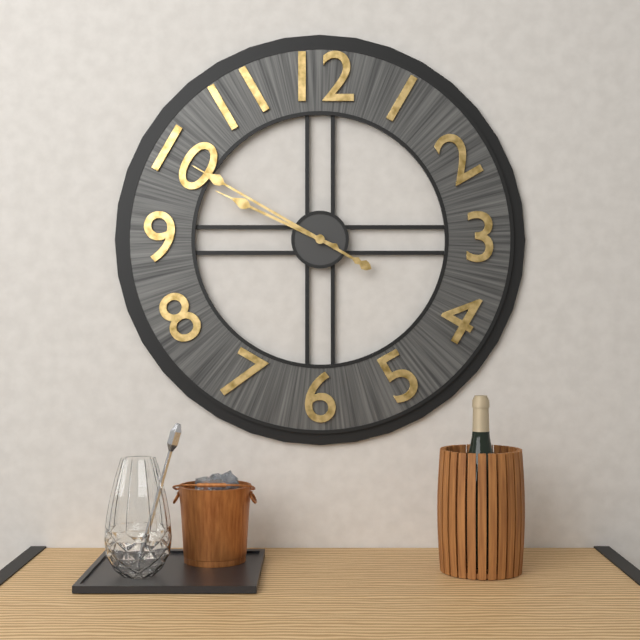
9:50
